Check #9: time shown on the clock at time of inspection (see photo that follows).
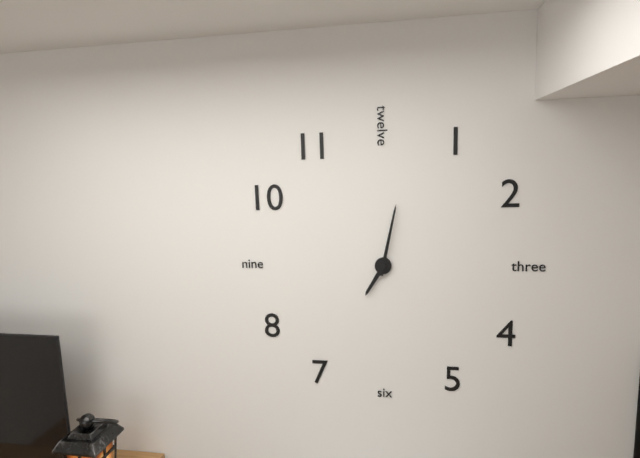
7:02
